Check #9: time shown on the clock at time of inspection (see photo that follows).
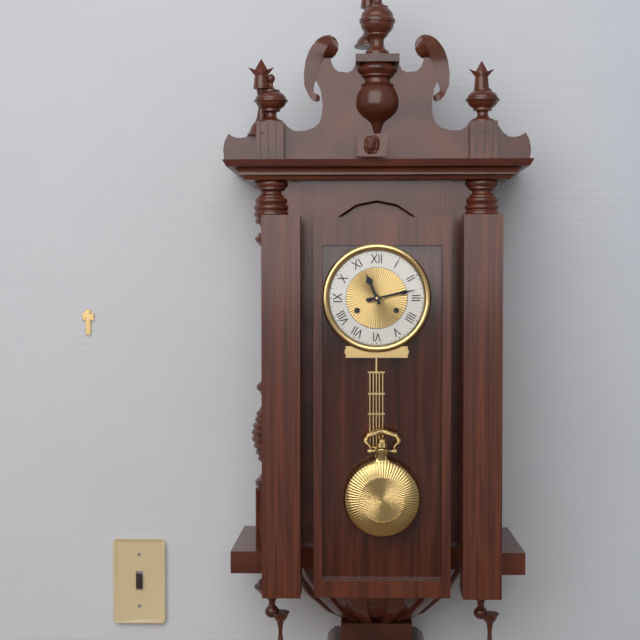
11:13
